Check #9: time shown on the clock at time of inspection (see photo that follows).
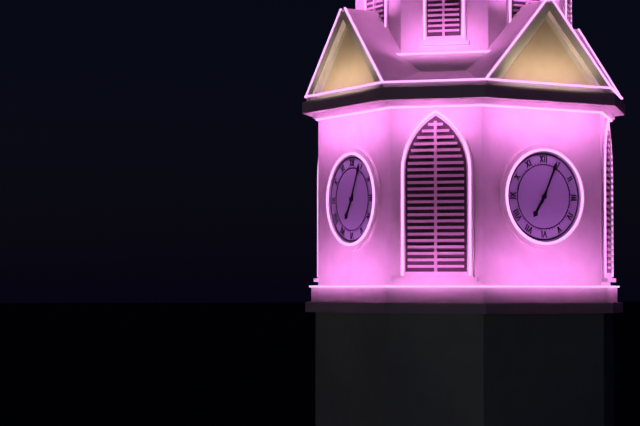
7:04
